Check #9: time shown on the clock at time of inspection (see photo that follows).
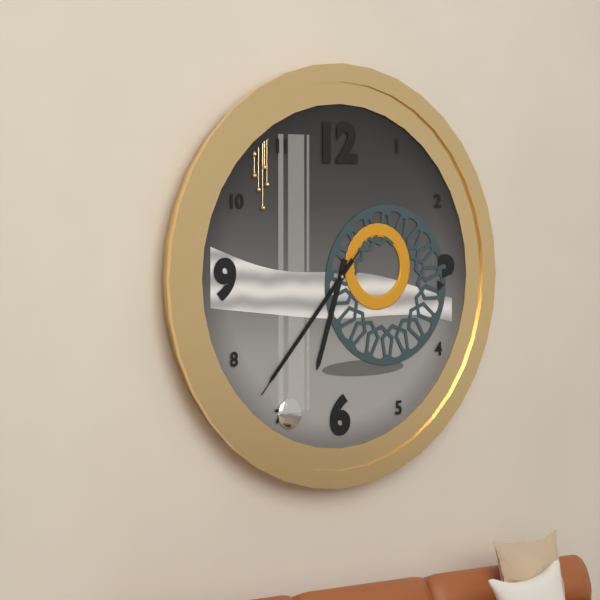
6:37:37
